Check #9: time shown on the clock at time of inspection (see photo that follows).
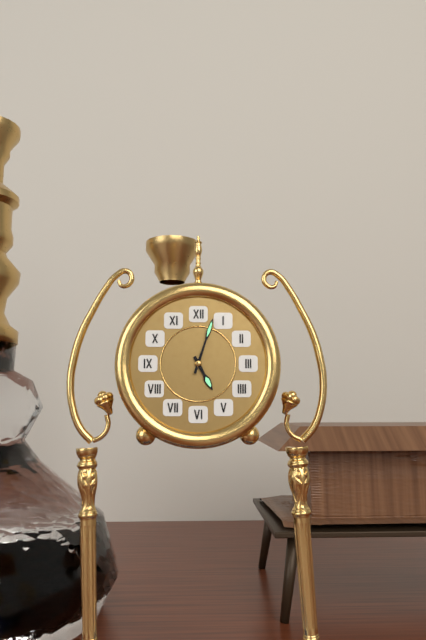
5:03
